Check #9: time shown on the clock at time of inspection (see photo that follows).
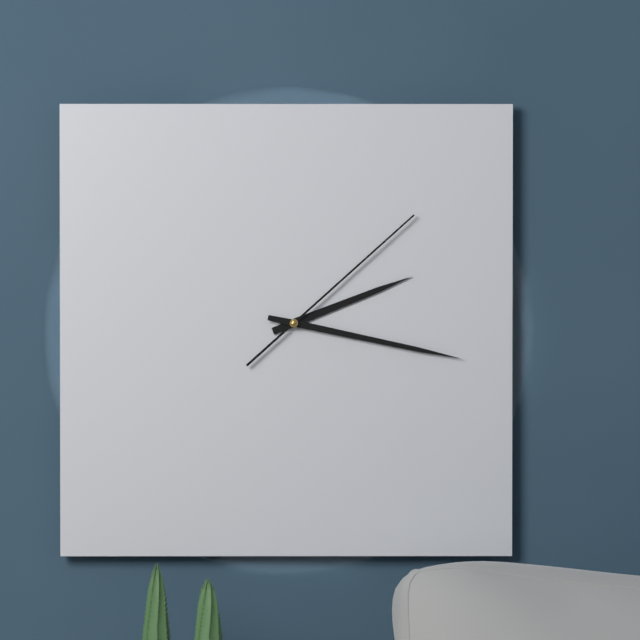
2:17:08
